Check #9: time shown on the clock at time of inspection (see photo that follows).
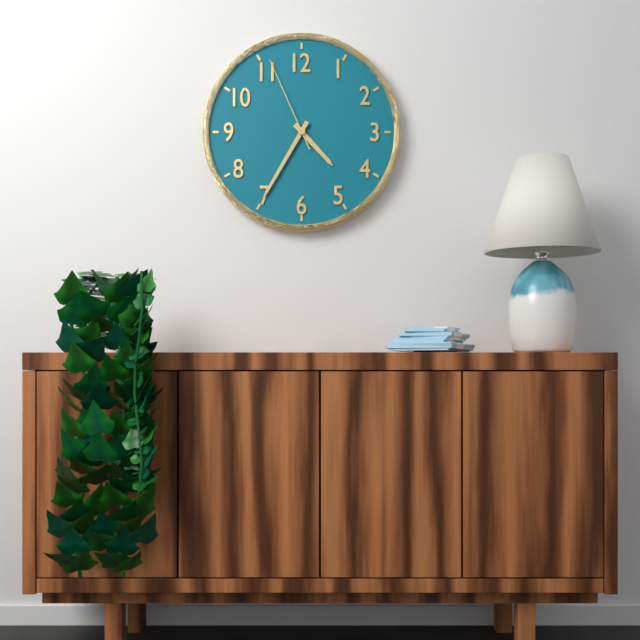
4:35:56
